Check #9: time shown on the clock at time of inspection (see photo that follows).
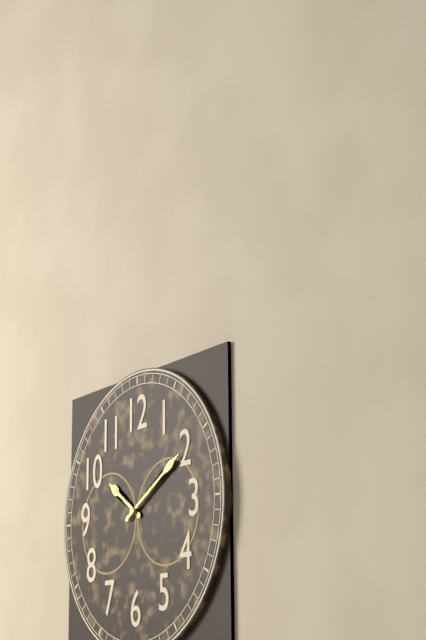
10:10
